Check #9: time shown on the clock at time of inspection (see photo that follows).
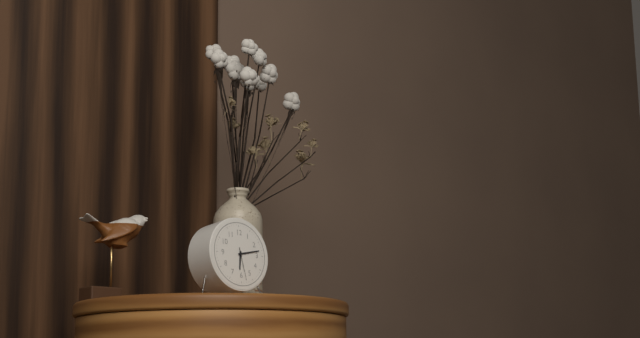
6:13
